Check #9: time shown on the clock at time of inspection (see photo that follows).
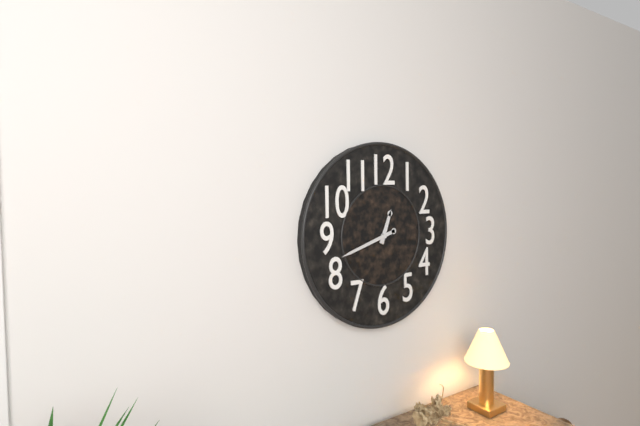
12:42
